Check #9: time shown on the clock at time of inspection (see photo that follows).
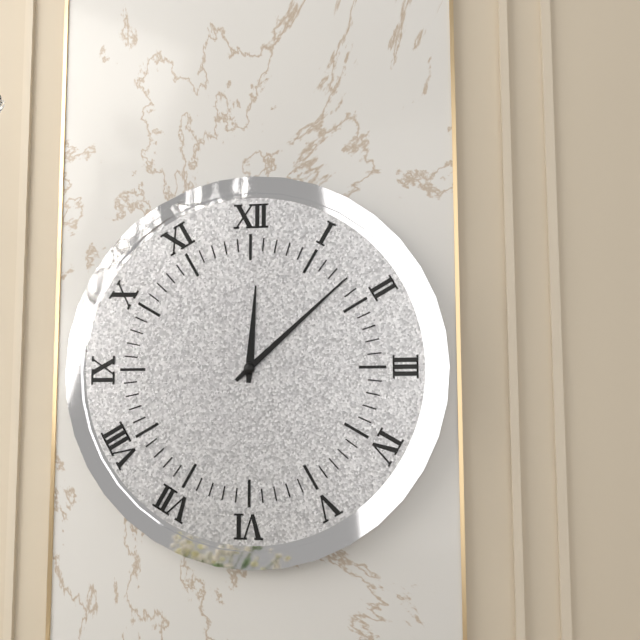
12:08
